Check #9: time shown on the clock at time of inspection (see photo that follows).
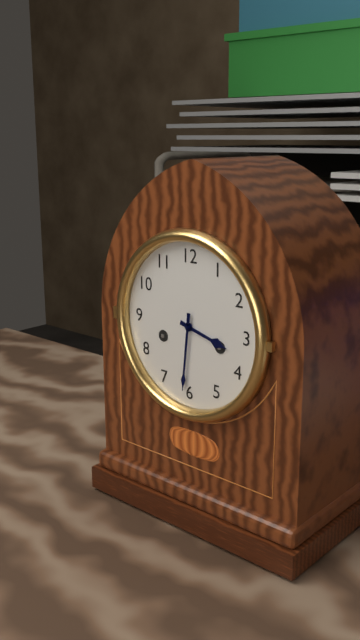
3:31
